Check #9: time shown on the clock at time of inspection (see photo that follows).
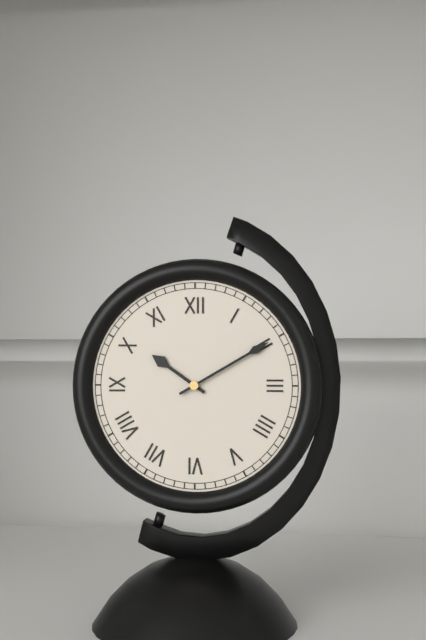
10:10
